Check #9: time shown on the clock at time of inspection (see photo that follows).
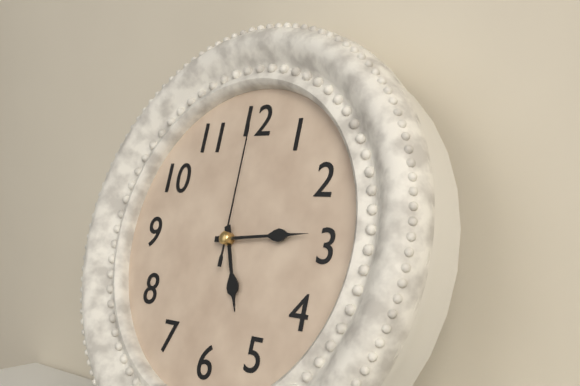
5:14:00
